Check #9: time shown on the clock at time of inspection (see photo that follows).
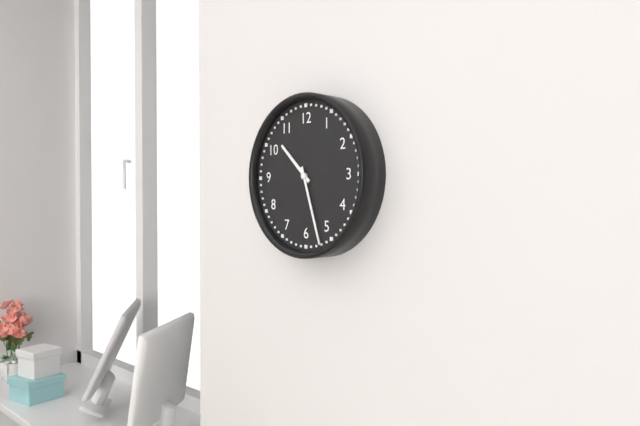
10:27
